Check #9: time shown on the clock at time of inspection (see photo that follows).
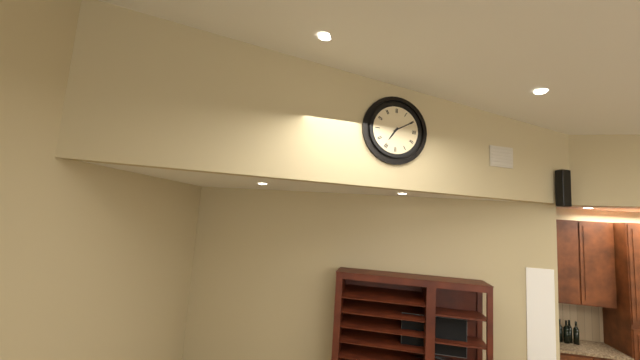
7:10
